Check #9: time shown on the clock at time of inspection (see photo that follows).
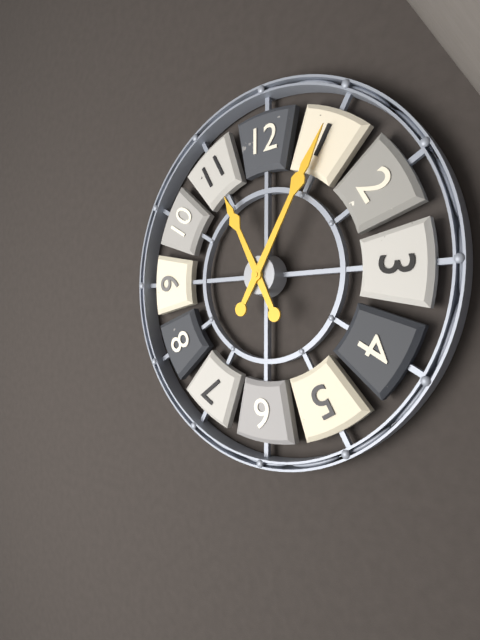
11:05
